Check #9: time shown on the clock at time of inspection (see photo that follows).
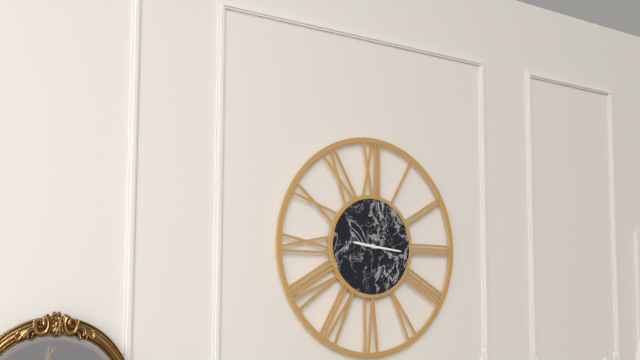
9:16
